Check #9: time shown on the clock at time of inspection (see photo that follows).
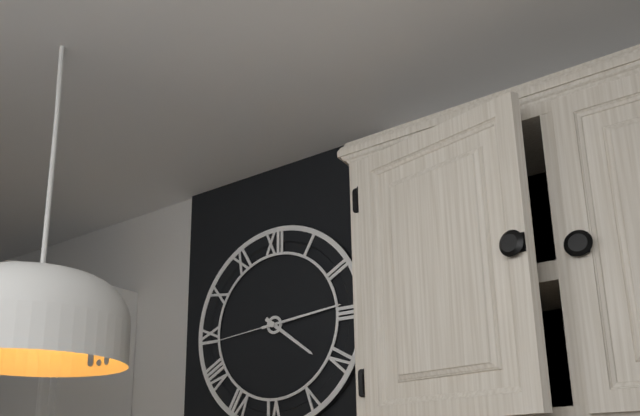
4:14:44
